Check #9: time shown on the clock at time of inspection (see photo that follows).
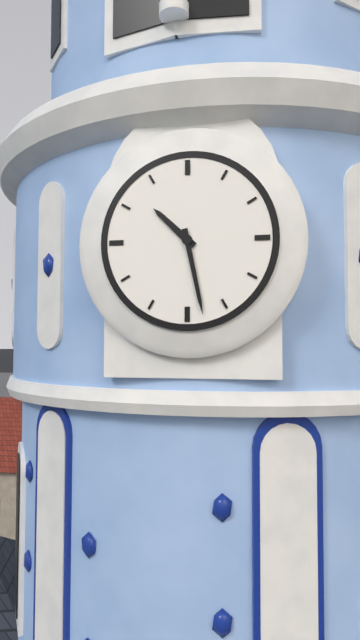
10:28
